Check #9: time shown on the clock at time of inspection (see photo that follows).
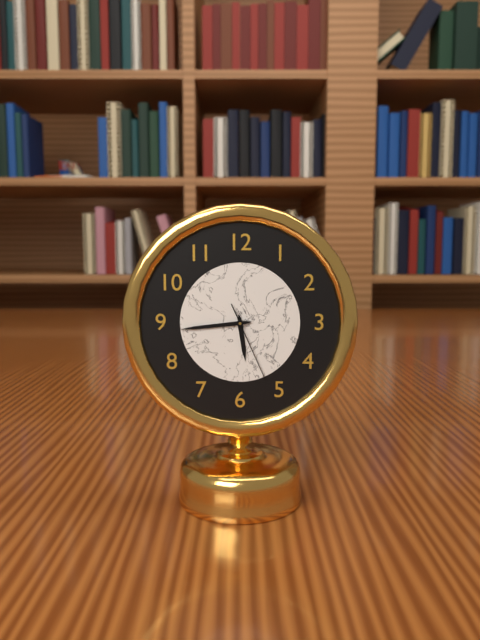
5:44:26
